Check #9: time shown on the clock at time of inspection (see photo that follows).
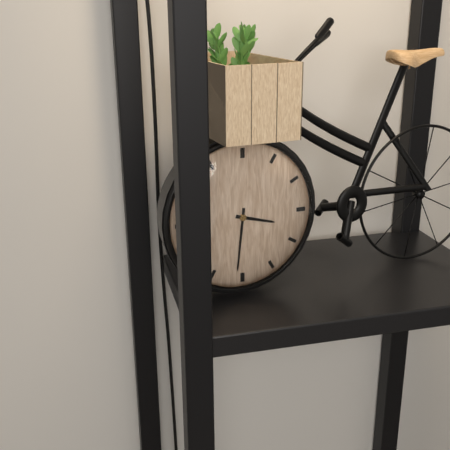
3:31
